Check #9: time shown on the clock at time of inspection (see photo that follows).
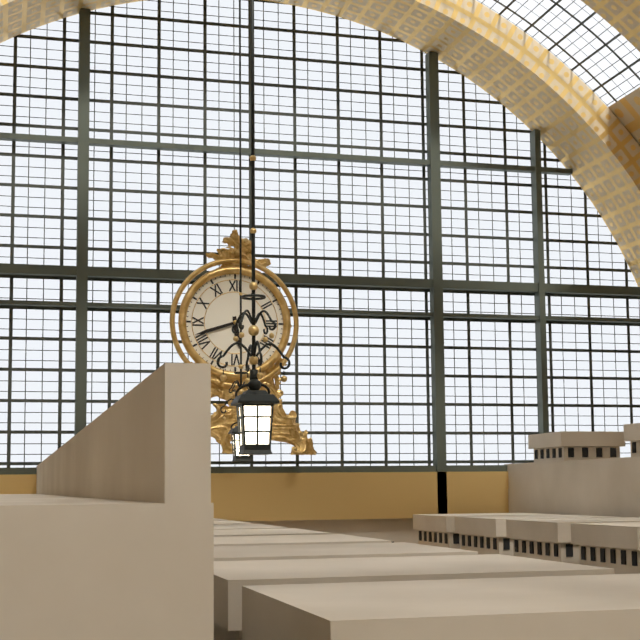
5:42
